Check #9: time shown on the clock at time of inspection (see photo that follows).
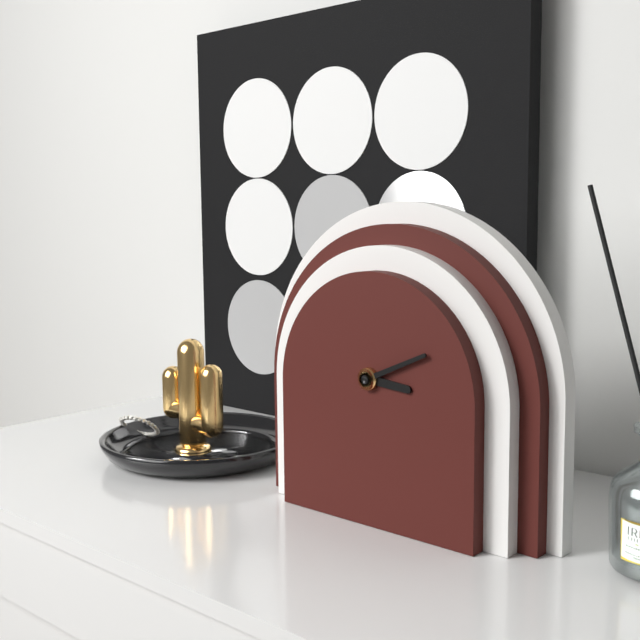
3:11
